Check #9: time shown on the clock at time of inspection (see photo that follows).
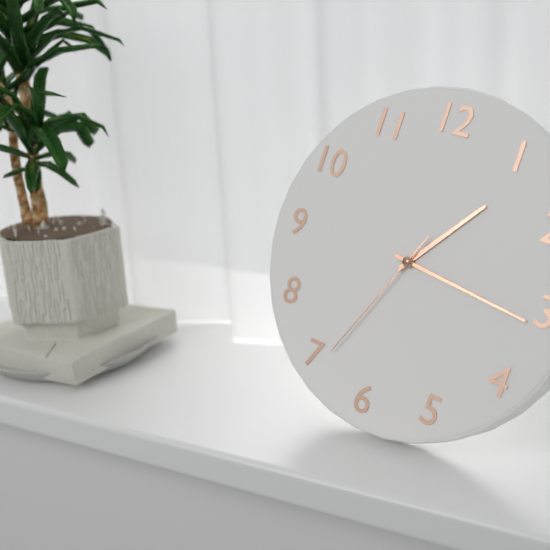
1:16:34
